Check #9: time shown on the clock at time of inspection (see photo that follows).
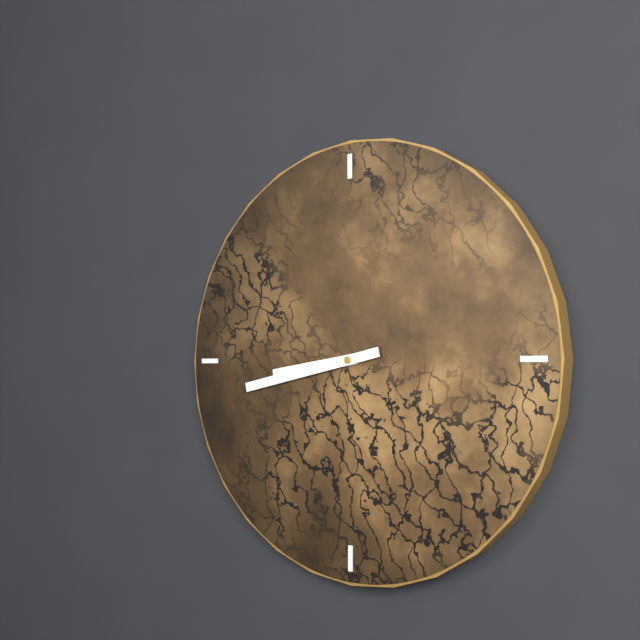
8:43
